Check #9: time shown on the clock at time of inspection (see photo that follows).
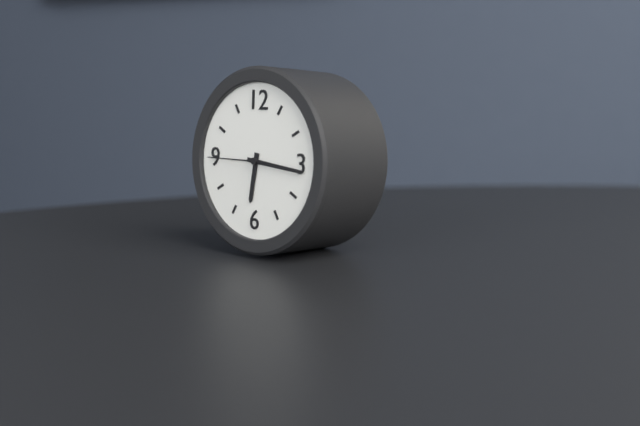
6:16:45
